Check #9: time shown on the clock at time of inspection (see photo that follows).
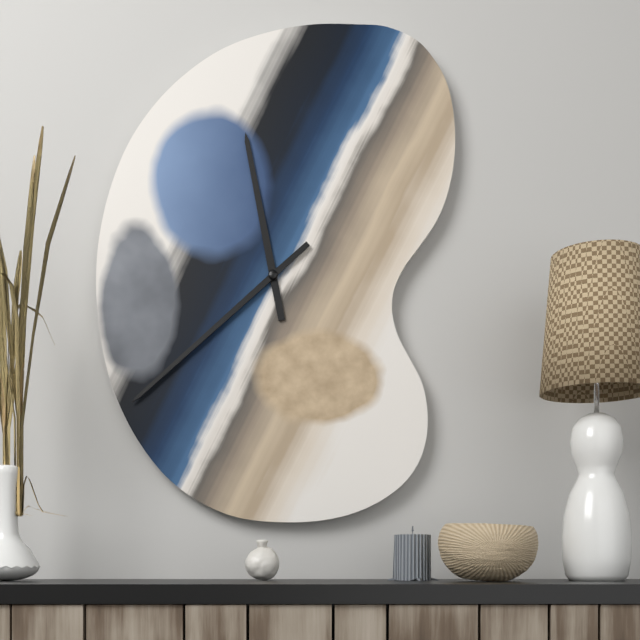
11:38
